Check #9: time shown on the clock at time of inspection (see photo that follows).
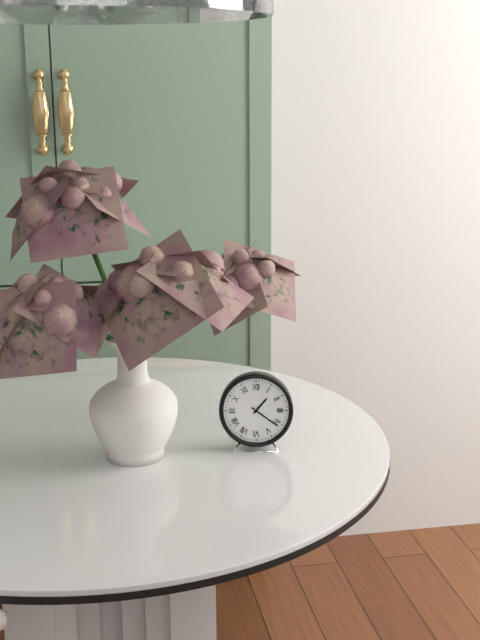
1:21
